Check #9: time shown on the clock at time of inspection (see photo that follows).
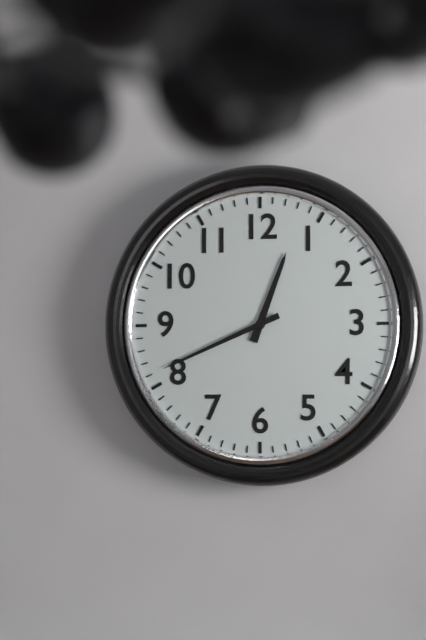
12:41
